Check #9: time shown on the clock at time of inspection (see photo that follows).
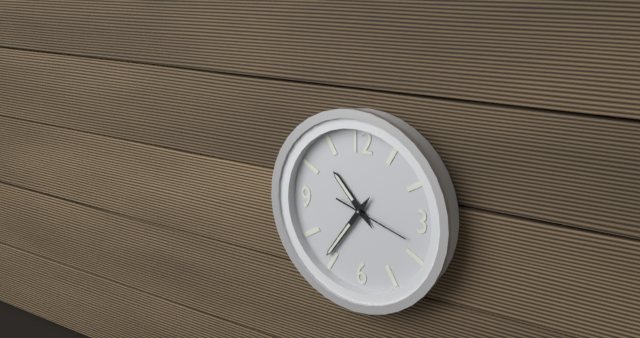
10:36:18
